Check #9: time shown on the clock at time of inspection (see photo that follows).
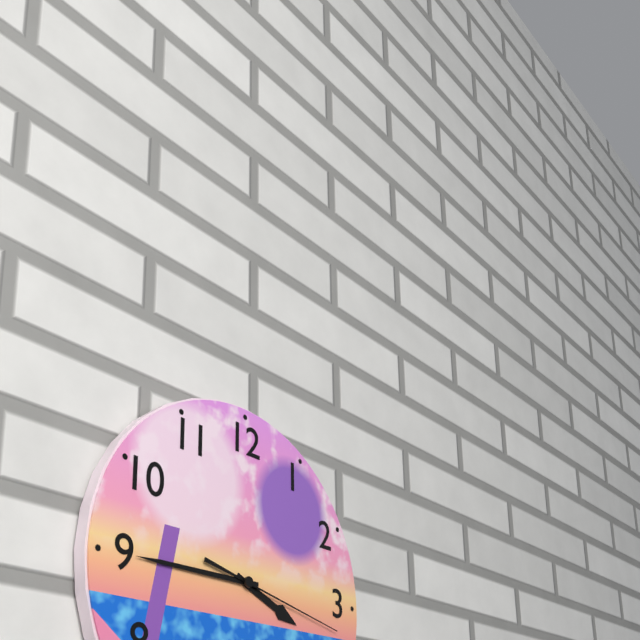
3:45:17
